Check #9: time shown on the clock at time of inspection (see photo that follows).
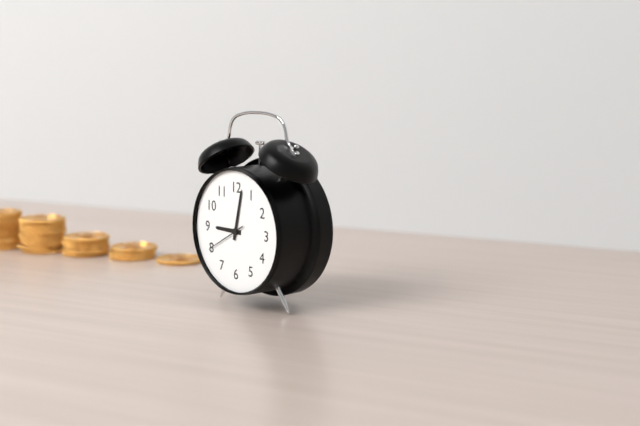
9:02
